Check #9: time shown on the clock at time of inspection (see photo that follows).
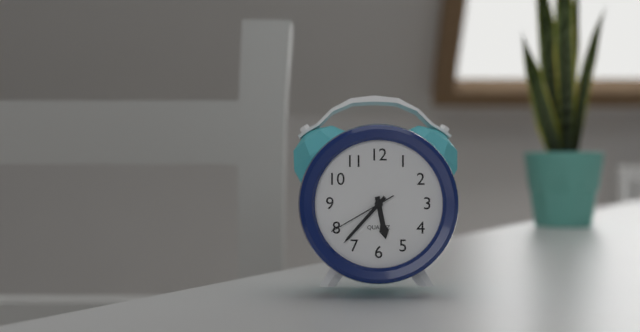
5:37:40
